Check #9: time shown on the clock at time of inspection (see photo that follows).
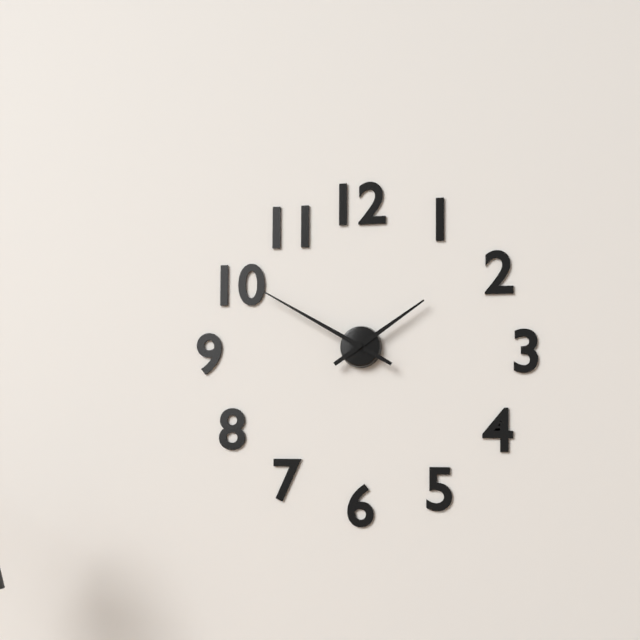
1:50
